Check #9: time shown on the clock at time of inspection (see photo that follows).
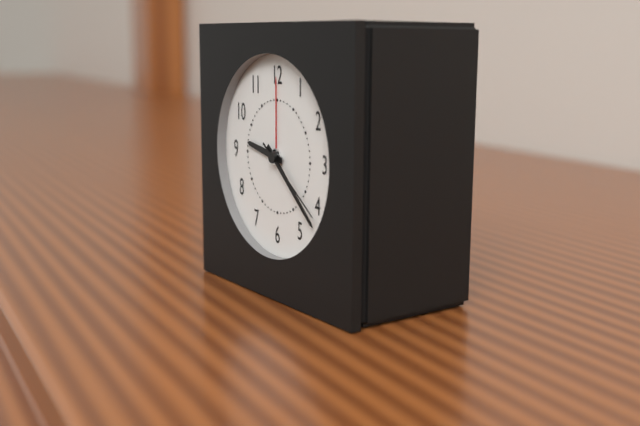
9:22:21
